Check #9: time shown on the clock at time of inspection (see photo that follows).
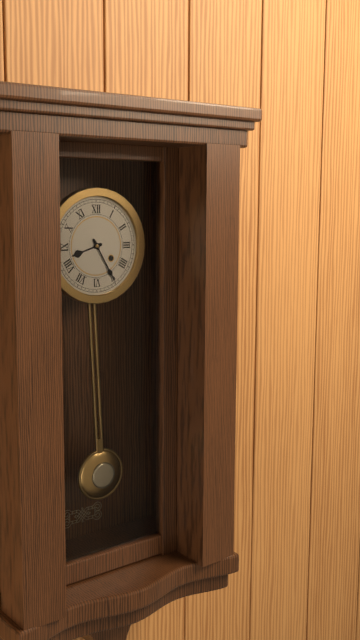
8:25
